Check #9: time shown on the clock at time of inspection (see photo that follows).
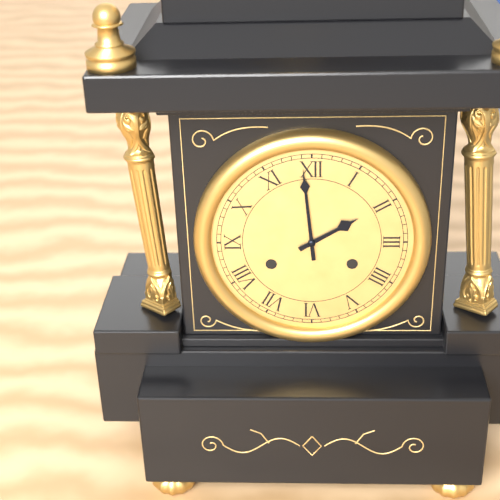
1:59
